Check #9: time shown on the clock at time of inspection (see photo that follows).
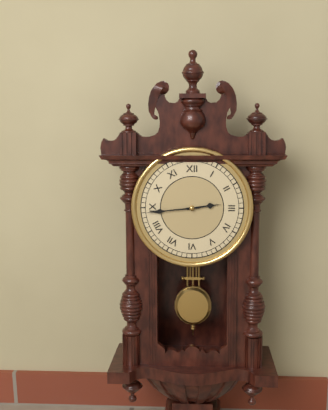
2:44
